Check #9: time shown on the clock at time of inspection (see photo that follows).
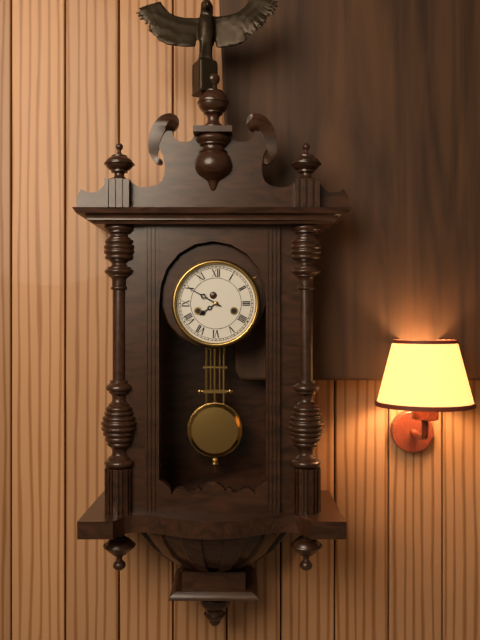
7:50
